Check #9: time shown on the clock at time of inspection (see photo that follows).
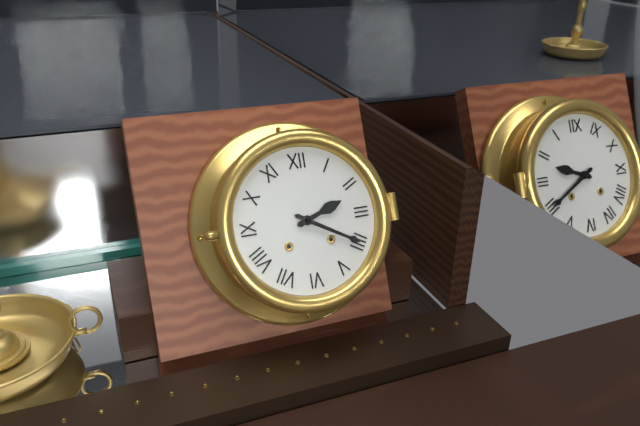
2:20
